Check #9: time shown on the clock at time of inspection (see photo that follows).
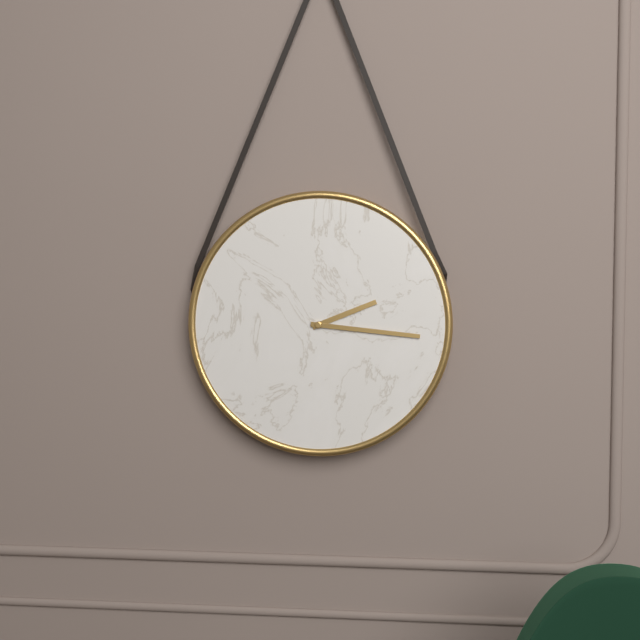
2:16
